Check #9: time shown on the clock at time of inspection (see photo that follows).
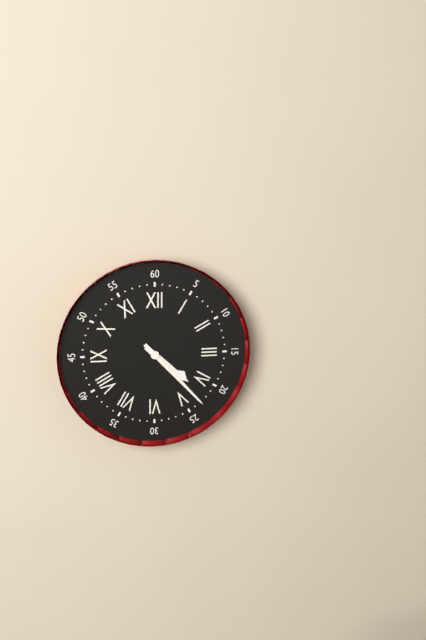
4:23
